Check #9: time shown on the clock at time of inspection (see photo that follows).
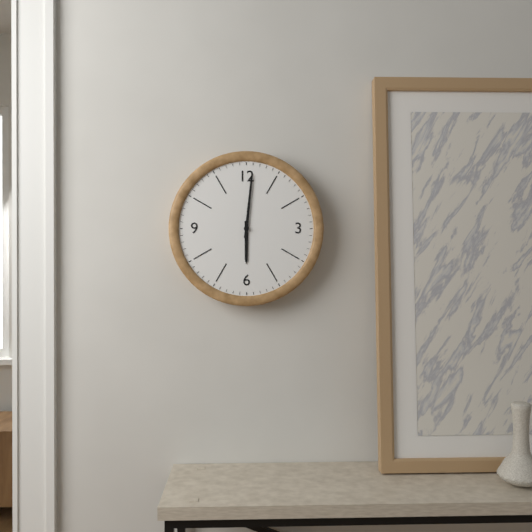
6:01
